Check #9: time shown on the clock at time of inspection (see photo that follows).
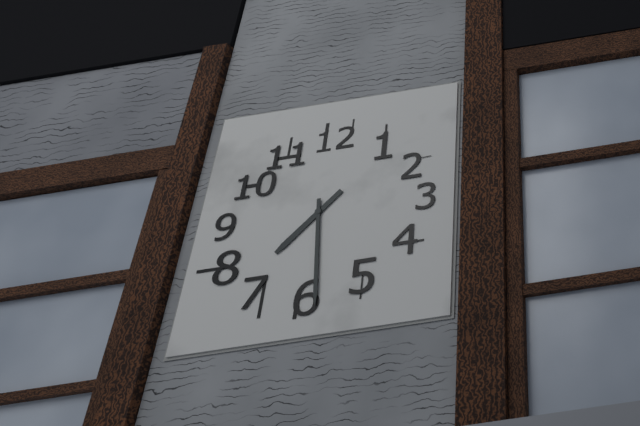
7:29
